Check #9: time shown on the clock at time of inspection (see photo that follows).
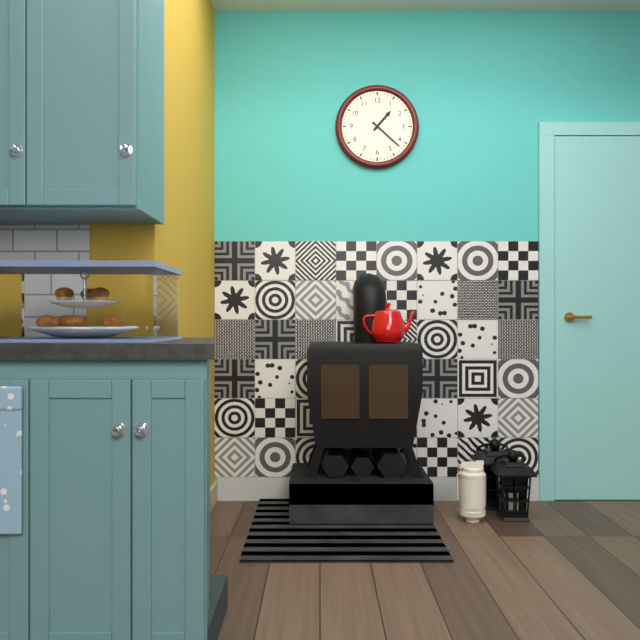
1:22
